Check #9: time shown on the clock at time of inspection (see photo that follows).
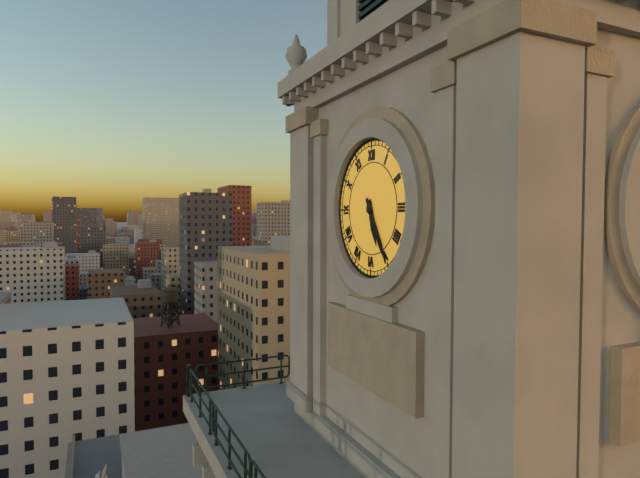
5:25
